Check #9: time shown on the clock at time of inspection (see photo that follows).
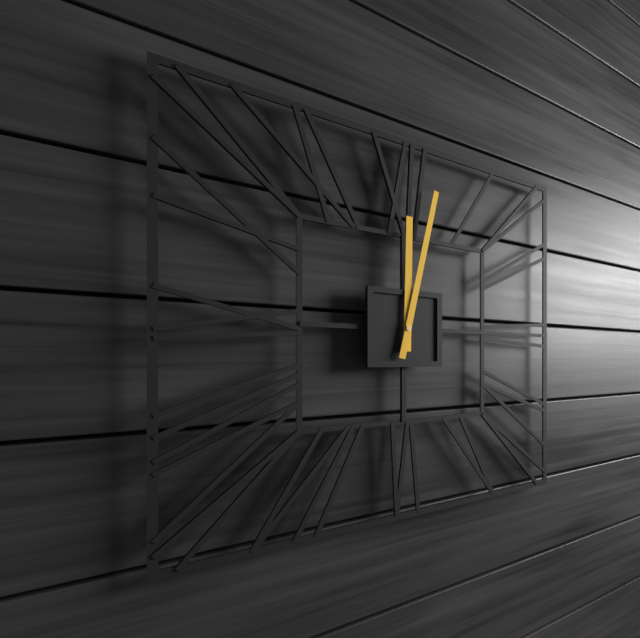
12:02
